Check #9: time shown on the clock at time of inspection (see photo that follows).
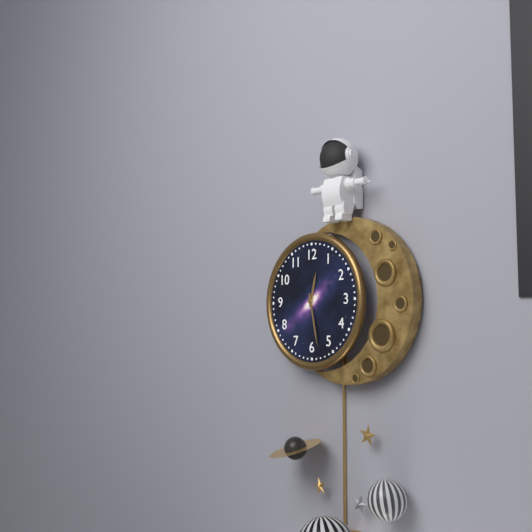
12:28
